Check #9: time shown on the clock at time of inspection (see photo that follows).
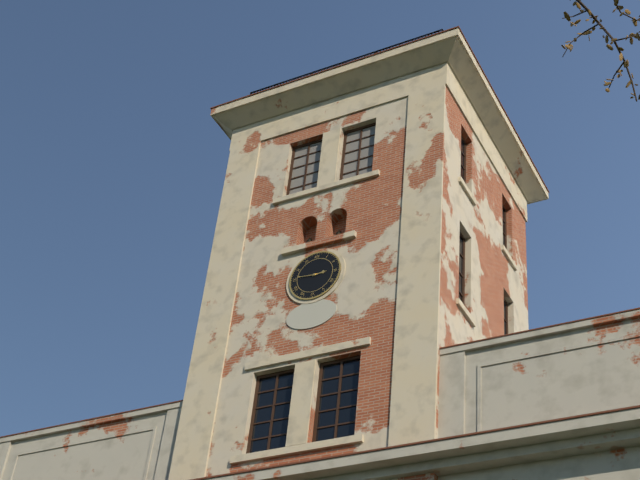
2:46
